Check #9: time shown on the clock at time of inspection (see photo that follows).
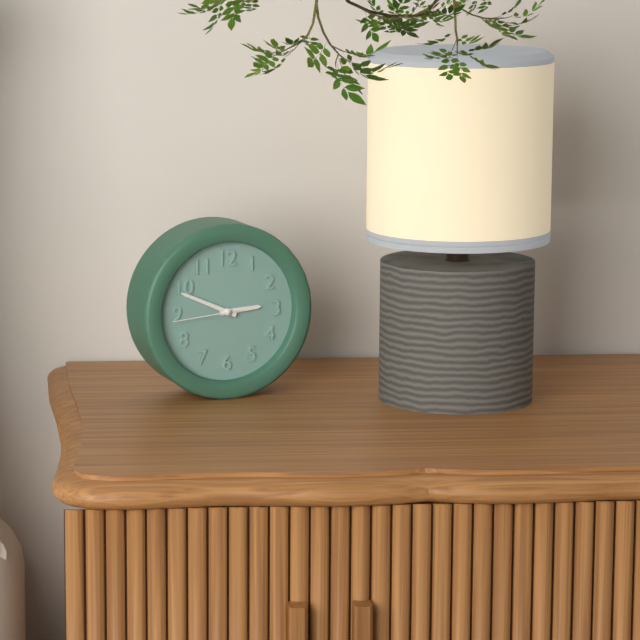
2:49:44
